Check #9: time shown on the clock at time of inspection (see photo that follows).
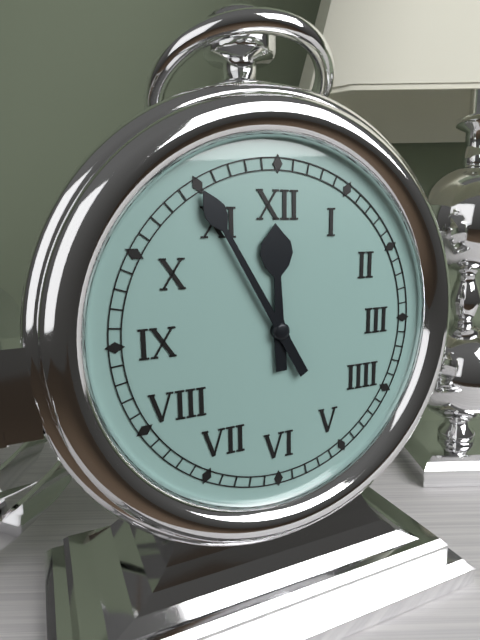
11:55
